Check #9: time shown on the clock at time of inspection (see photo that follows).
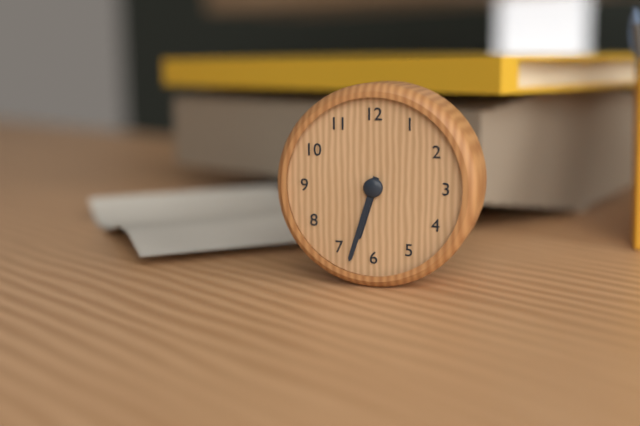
6:33
